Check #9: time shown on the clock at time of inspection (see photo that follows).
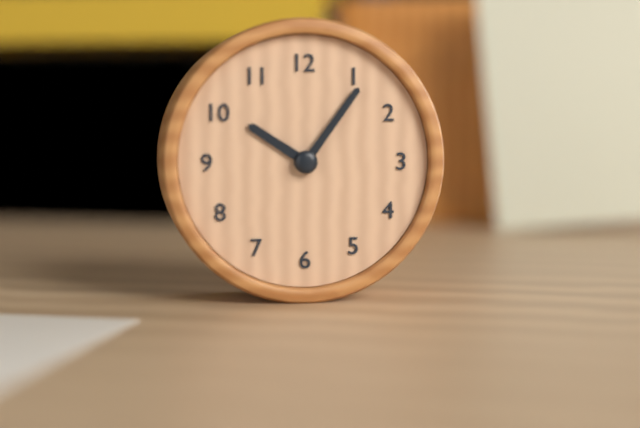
10:06
